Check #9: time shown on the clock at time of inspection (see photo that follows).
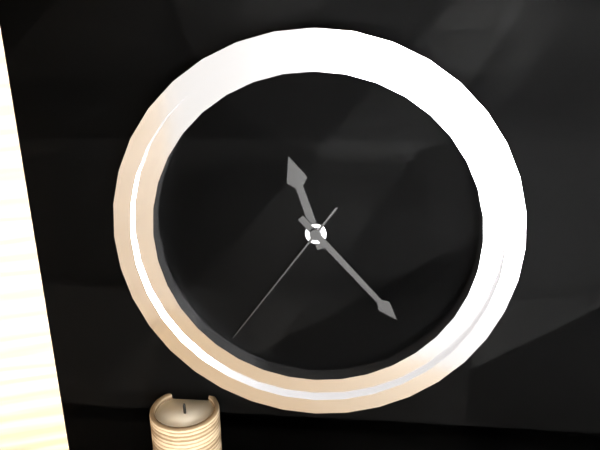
11:23:36
